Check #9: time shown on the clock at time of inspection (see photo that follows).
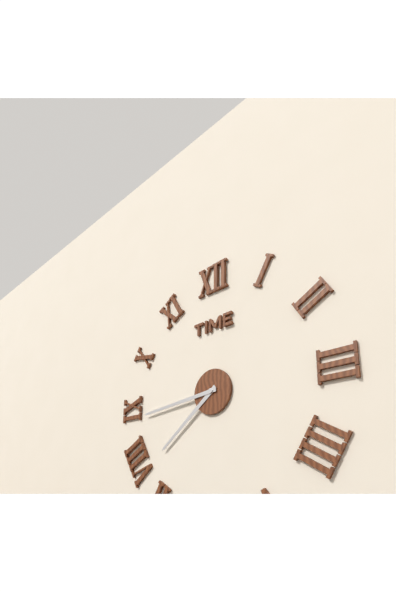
7:44
